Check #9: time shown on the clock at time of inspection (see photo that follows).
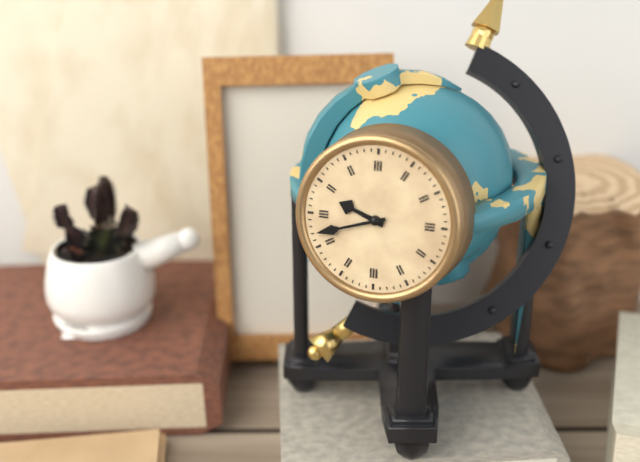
9:42
